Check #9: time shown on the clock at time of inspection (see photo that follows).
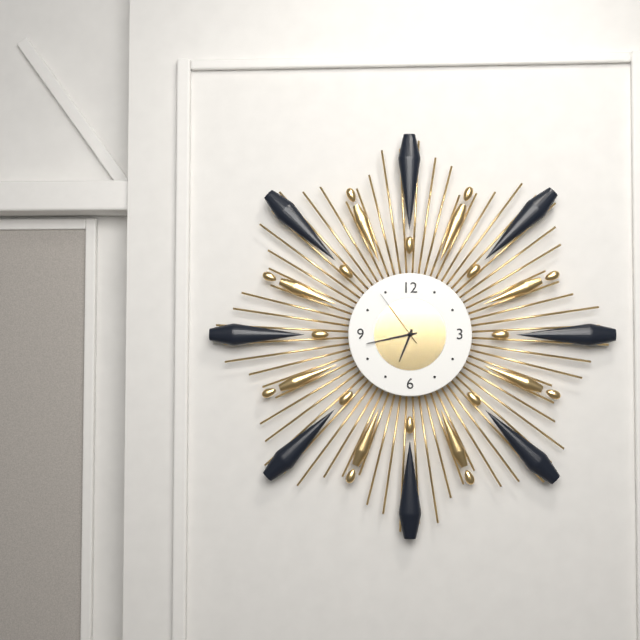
6:43:54
